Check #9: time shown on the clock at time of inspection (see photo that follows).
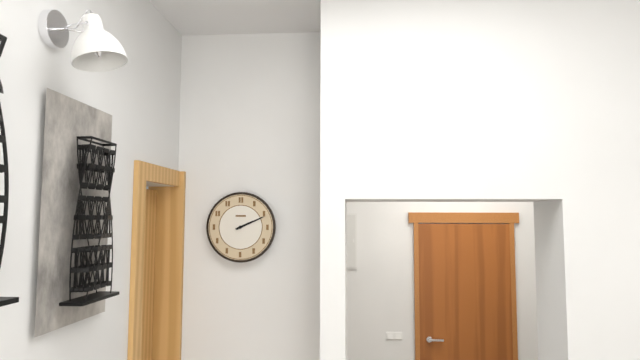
2:11
